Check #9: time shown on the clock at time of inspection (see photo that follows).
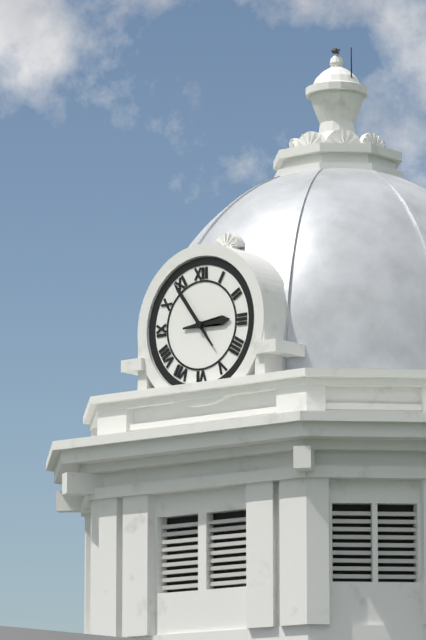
2:54
